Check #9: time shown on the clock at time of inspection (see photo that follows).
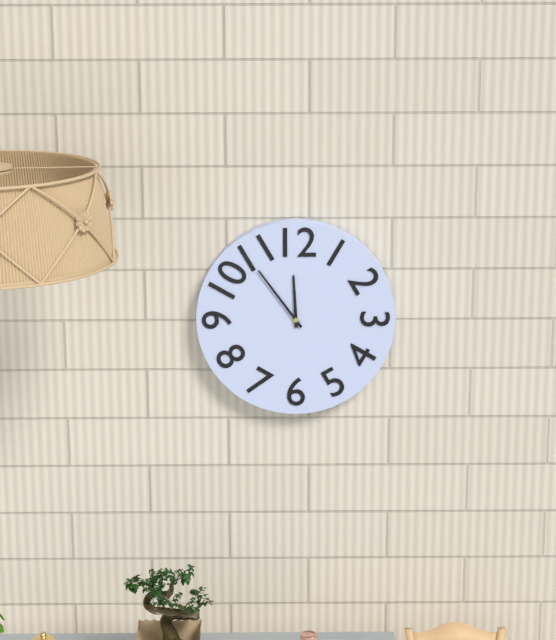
11:54
